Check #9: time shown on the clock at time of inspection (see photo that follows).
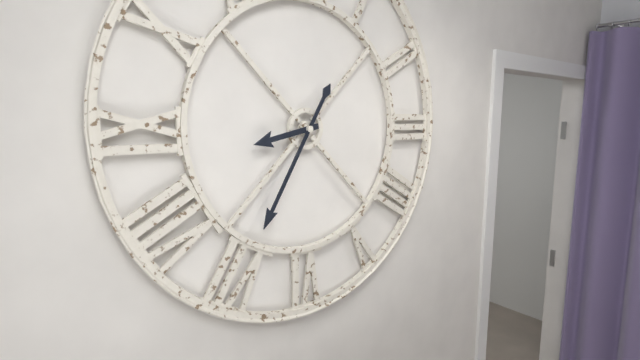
8:35
